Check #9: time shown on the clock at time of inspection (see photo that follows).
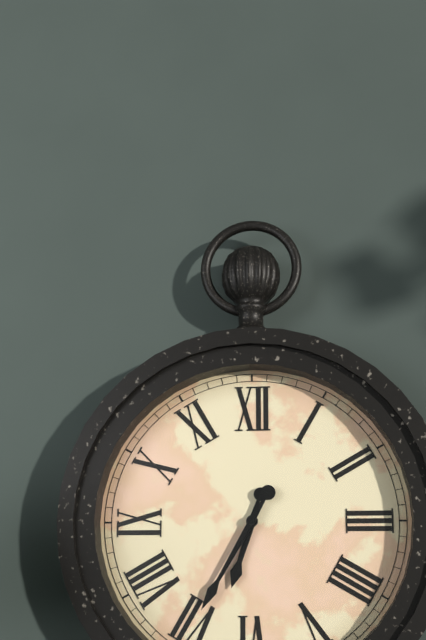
6:35
